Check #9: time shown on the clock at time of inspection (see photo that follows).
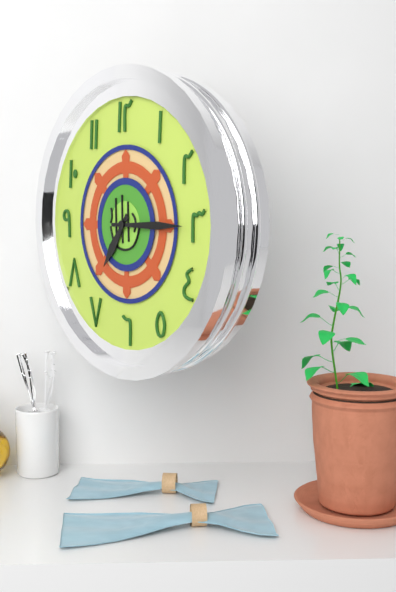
7:15
